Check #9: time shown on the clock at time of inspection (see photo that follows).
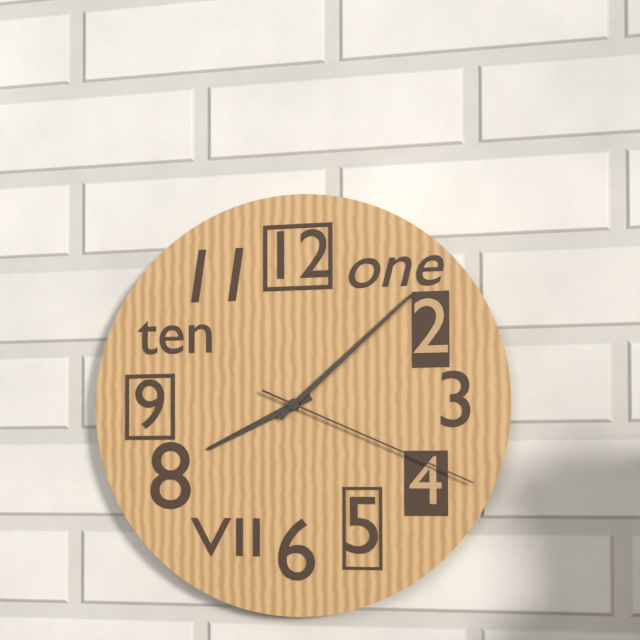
8:08:19
